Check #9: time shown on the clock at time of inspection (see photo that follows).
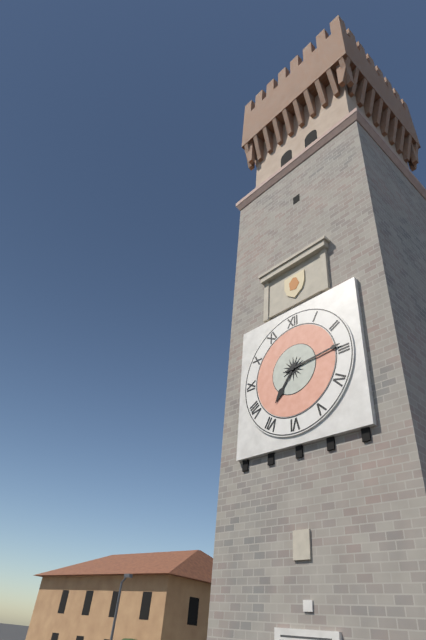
7:14
